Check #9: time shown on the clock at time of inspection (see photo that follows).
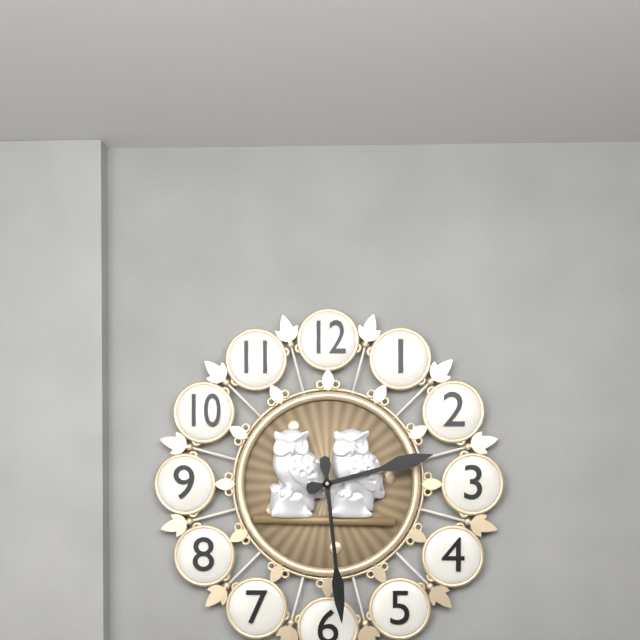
2:29
